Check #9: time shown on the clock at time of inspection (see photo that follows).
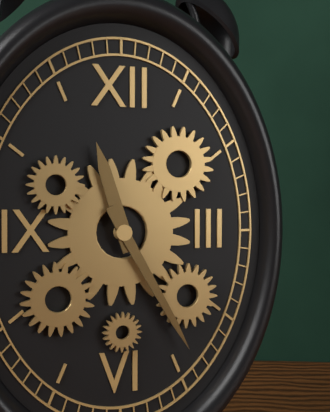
11:25
